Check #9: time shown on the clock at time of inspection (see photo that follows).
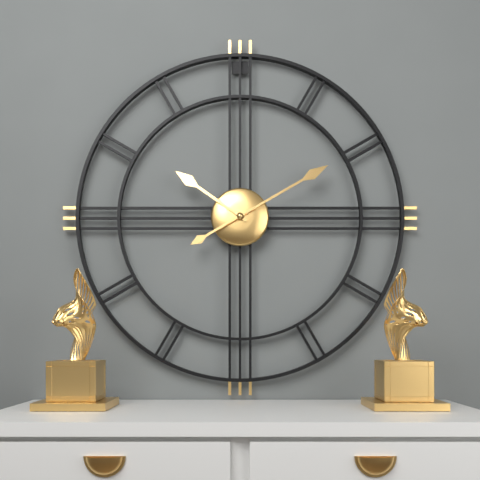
10:10
